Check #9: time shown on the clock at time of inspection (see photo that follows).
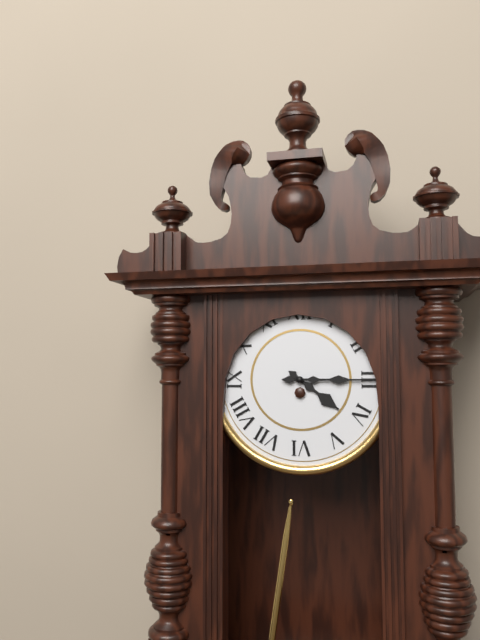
4:15
